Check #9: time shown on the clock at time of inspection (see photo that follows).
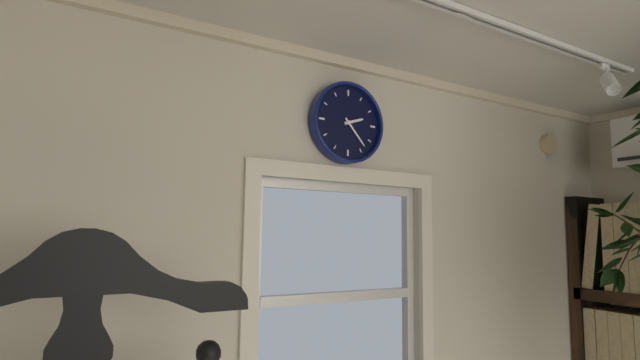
2:23
